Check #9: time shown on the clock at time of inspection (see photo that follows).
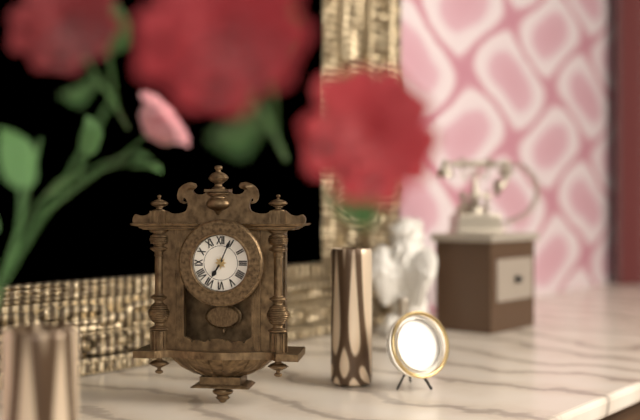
7:04
